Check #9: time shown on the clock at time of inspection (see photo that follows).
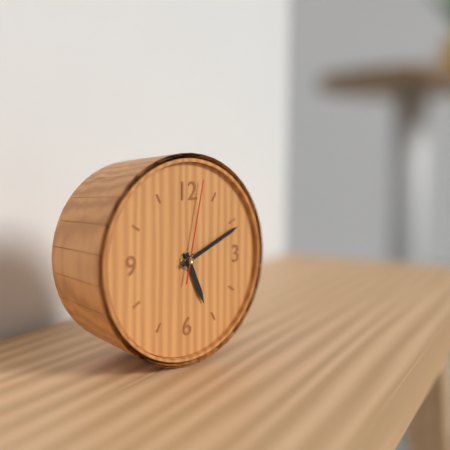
5:11:02
